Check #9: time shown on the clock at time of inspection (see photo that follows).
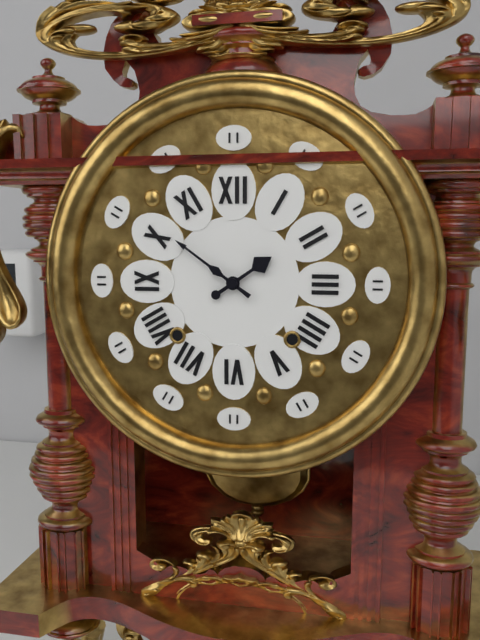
1:51
